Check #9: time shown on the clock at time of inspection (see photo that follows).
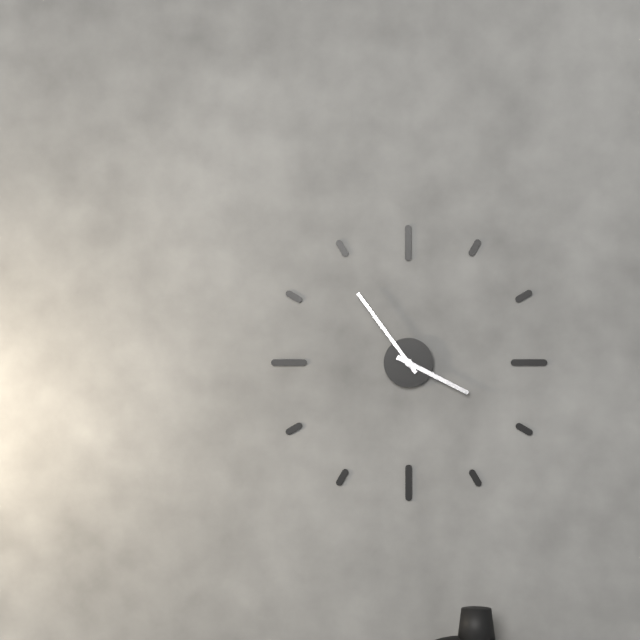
3:54
